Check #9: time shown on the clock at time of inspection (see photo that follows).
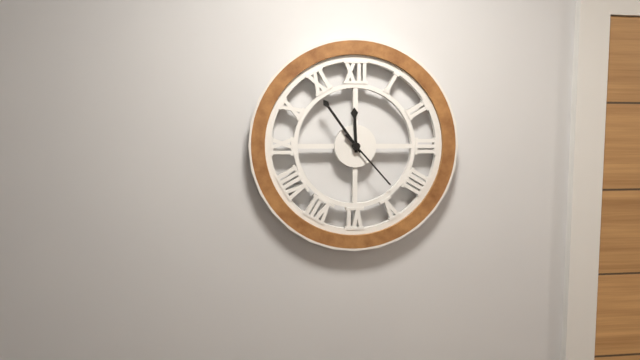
11:54:23
